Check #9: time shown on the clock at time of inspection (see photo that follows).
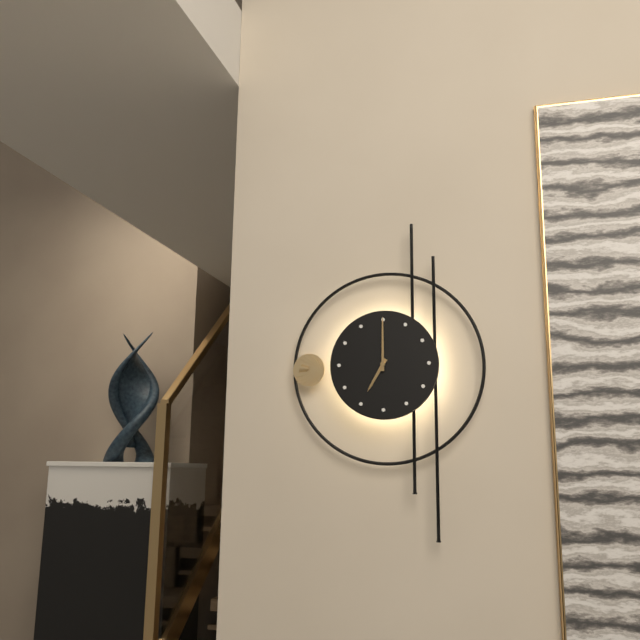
7:00
